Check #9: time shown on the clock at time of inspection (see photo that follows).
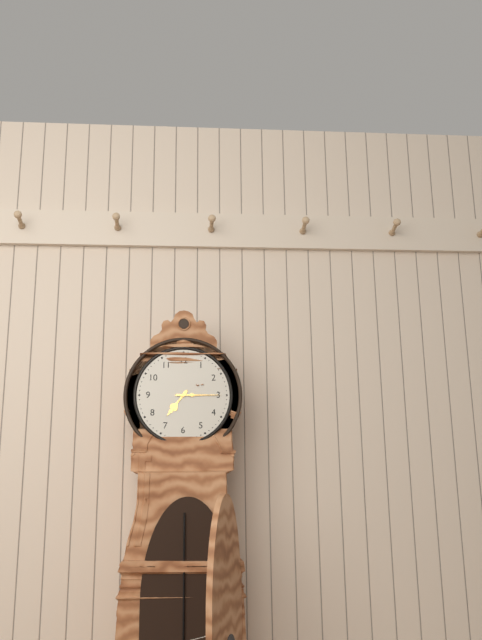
7:15
